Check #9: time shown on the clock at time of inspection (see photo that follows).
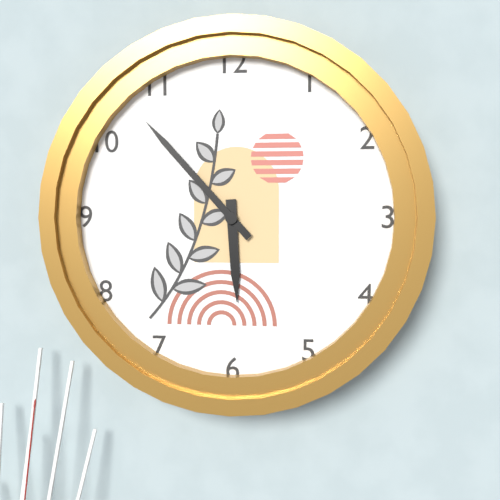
5:53
